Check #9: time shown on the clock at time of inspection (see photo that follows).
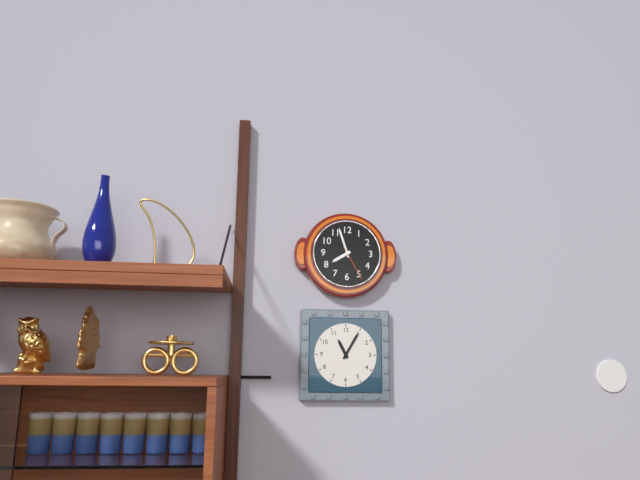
7:57
